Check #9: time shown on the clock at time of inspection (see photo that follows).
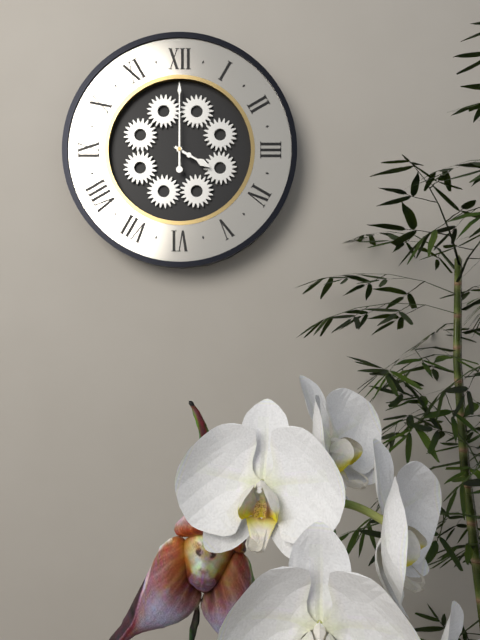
4:00
